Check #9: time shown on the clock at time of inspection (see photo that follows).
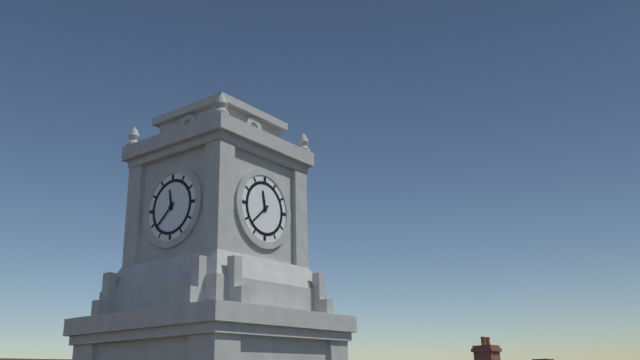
11:38
